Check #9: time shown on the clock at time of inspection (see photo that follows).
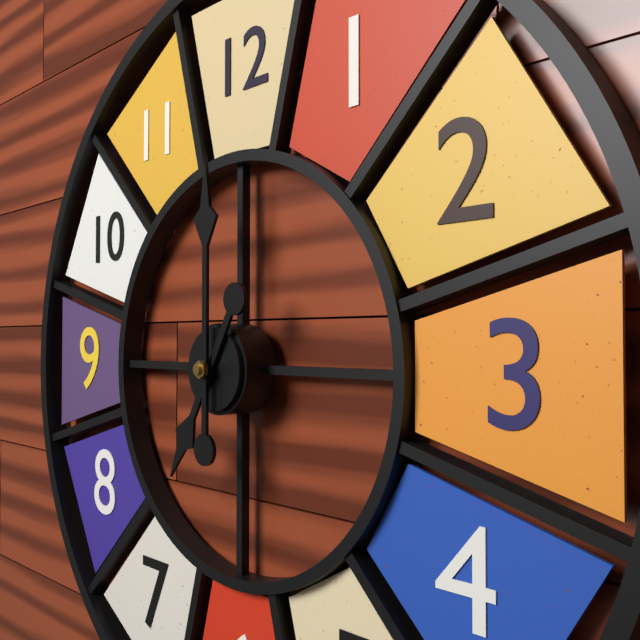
7:00
